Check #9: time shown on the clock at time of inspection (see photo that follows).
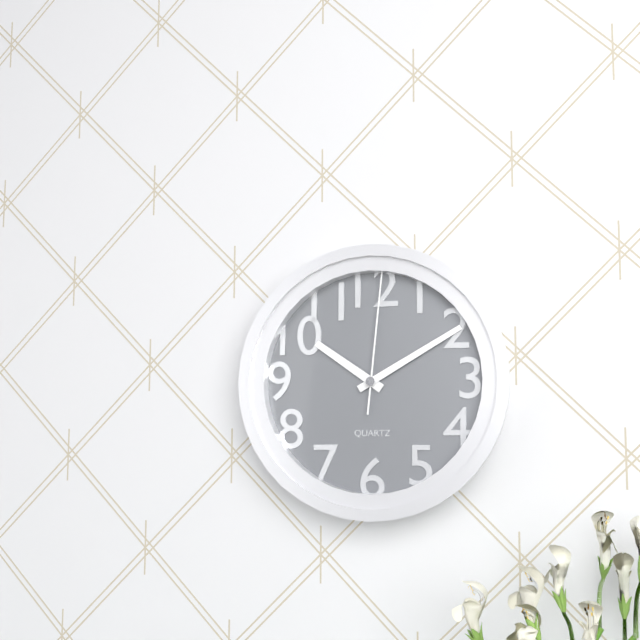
10:10:01
